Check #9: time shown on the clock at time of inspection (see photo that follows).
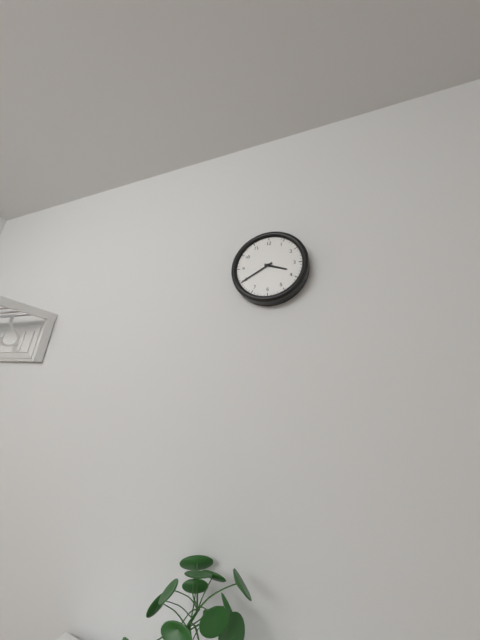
3:40
